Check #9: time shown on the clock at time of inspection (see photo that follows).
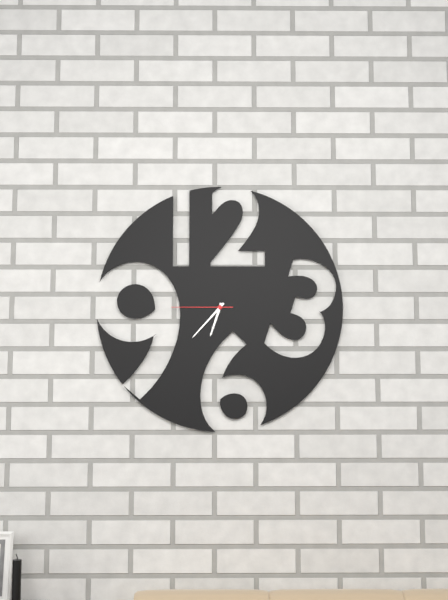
6:37:45
